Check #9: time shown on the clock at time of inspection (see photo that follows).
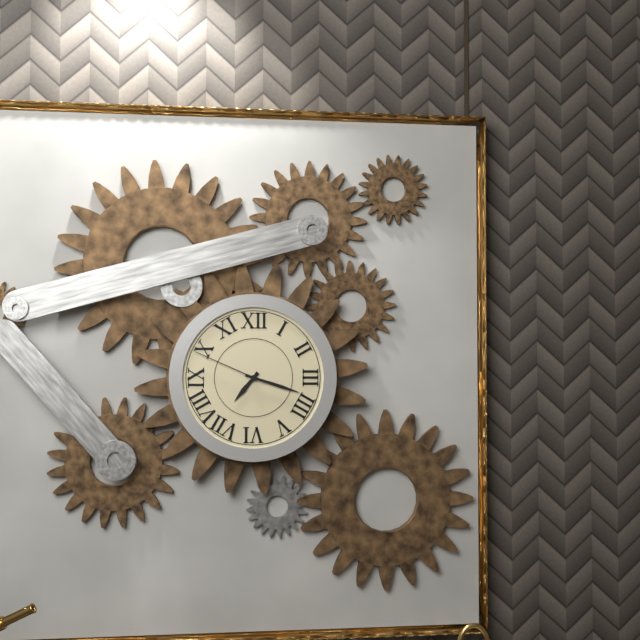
7:18:49
